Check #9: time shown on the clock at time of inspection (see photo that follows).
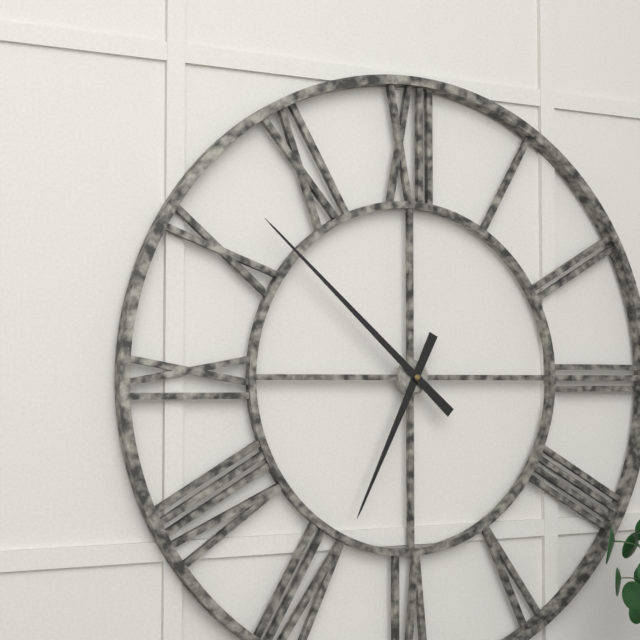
6:52
